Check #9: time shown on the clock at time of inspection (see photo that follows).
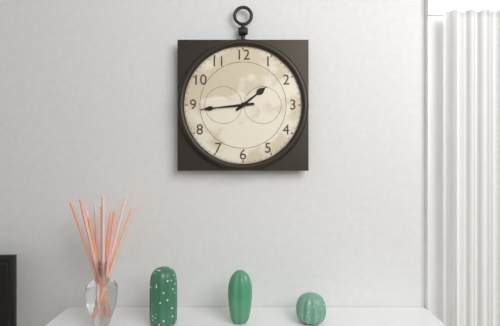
1:44
